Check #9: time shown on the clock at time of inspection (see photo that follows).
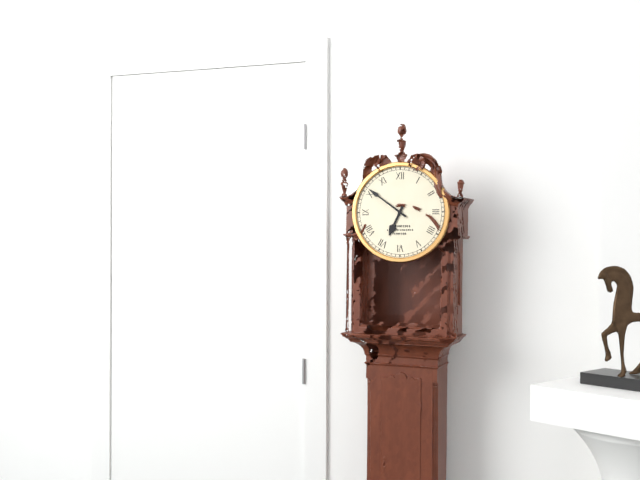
6:51
